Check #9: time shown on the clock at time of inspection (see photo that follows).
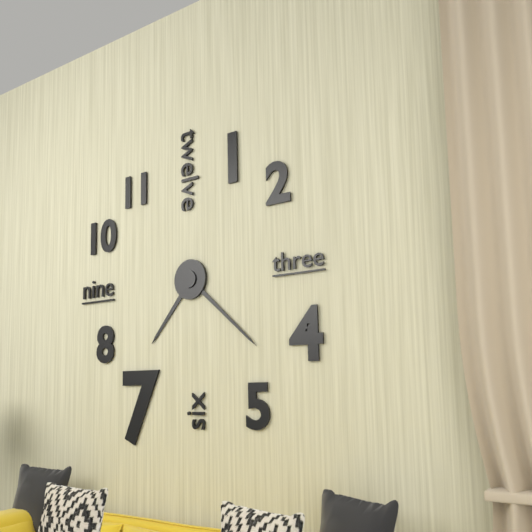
7:22
